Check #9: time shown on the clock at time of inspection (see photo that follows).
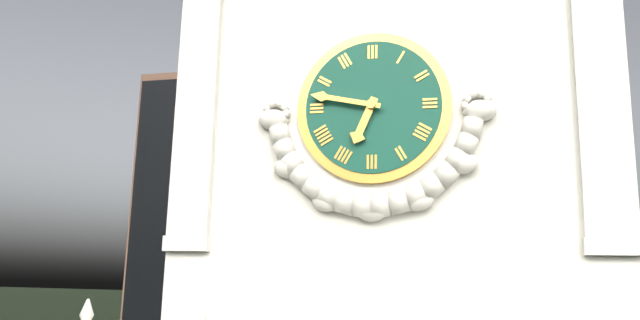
6:47
